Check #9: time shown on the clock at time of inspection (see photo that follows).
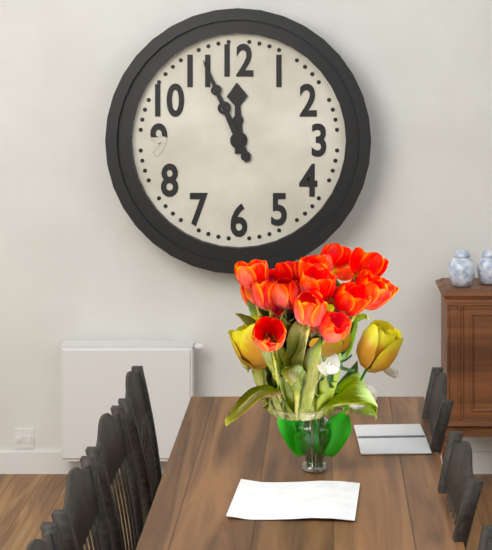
11:56
